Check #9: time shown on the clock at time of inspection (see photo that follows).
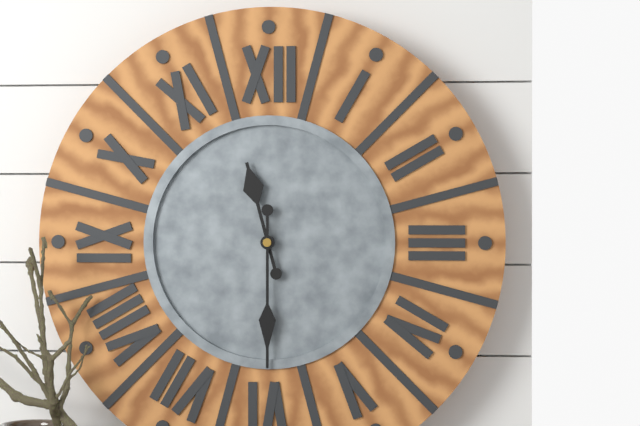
11:30
